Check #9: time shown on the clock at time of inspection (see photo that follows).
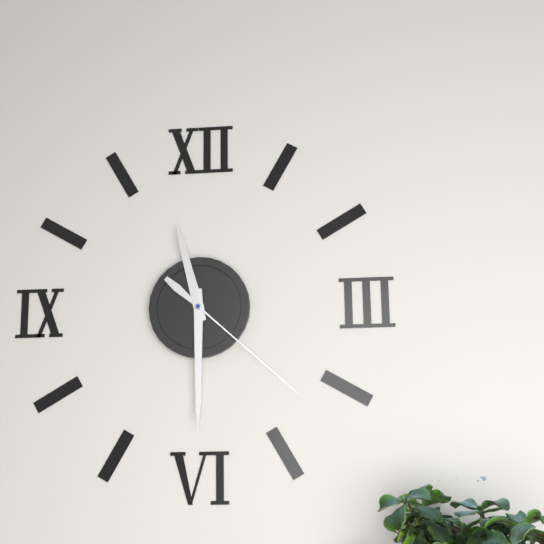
11:30:22
